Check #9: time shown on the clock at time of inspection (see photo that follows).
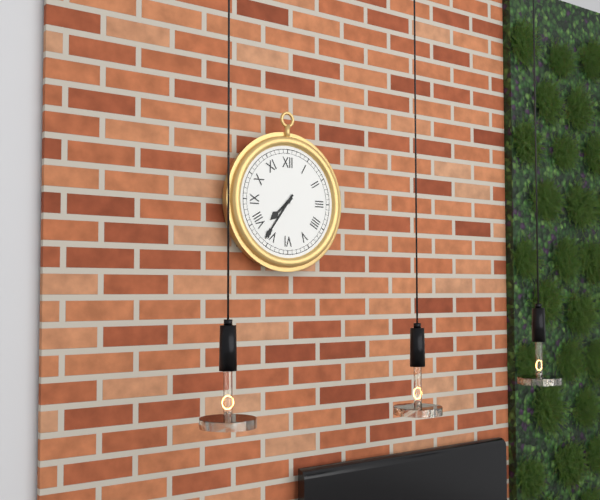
7:36
